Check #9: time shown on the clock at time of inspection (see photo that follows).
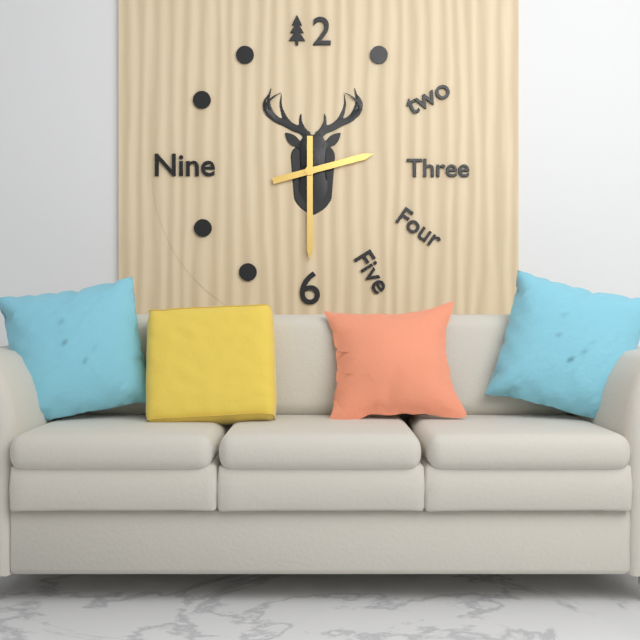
2:30
